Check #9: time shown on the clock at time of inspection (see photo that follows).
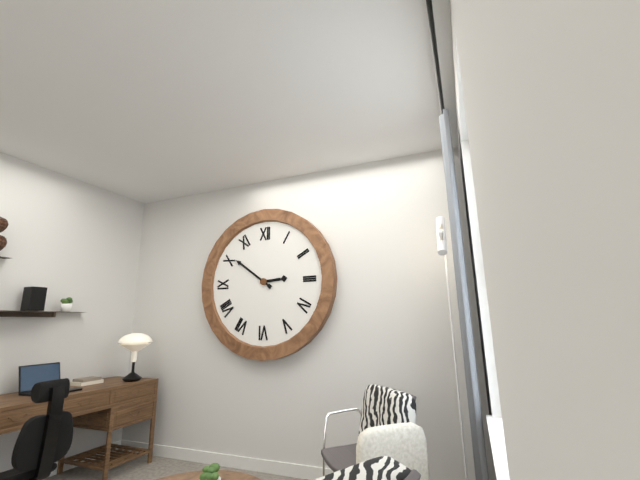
2:51
